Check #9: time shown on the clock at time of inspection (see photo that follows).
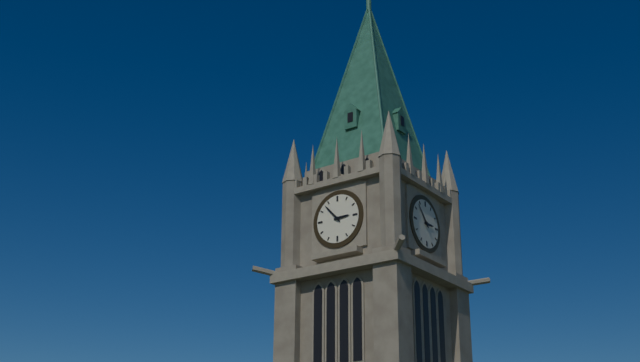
2:53
